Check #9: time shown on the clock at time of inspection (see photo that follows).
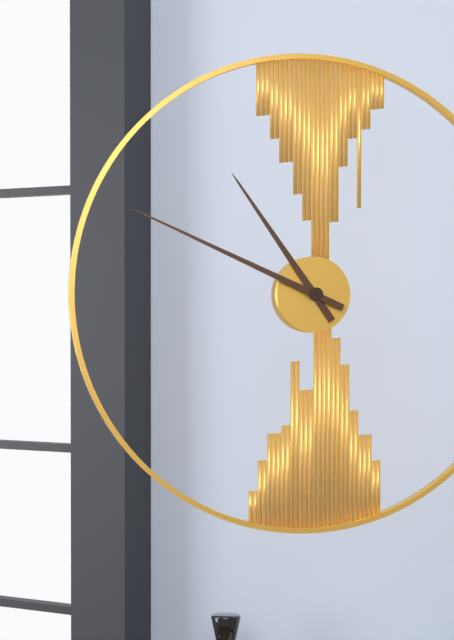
10:49
